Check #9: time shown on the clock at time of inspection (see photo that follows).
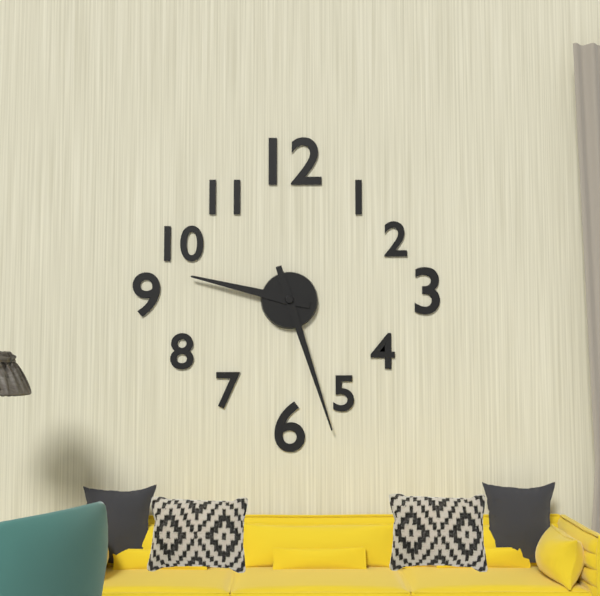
9:27
